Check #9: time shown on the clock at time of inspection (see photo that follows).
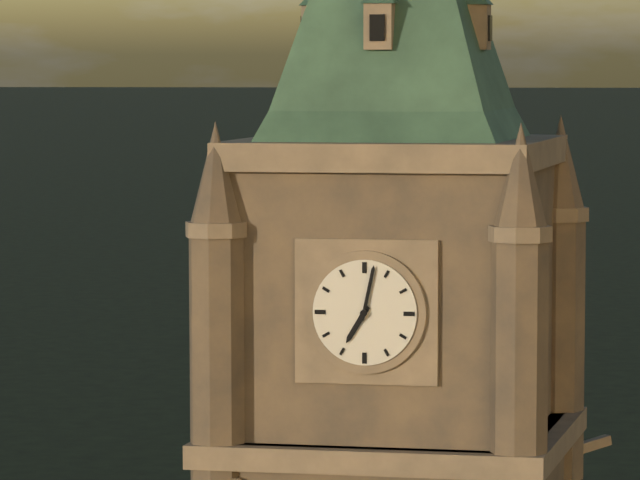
7:02
